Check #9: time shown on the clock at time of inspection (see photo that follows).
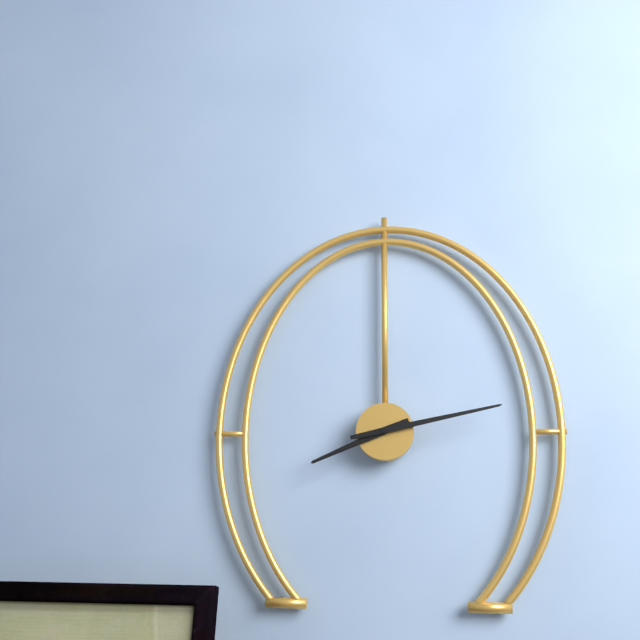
8:13
